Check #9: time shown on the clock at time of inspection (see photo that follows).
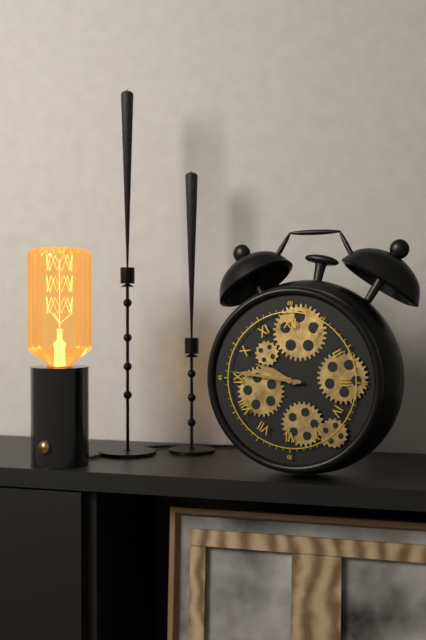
9:46
